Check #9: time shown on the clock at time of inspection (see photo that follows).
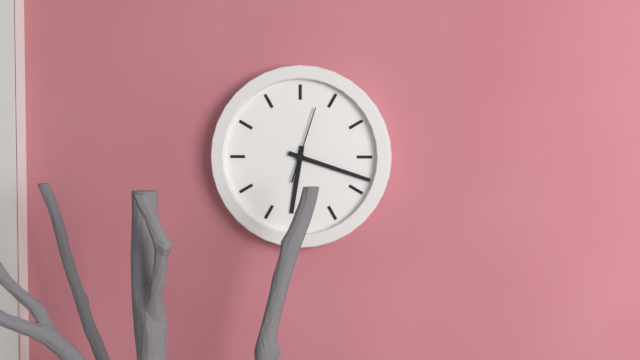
6:18:03
